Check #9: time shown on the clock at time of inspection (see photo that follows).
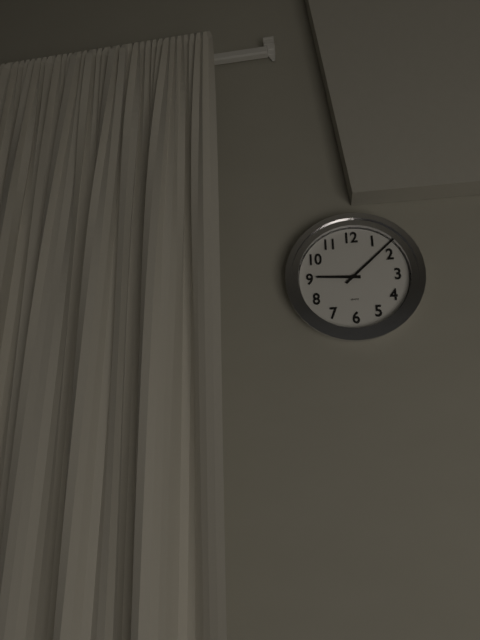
9:08
